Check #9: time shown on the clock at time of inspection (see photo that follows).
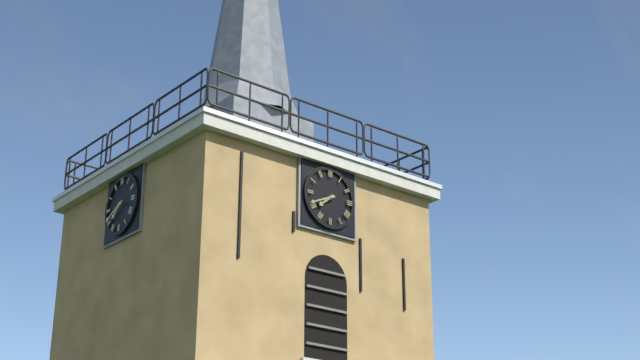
7:41
